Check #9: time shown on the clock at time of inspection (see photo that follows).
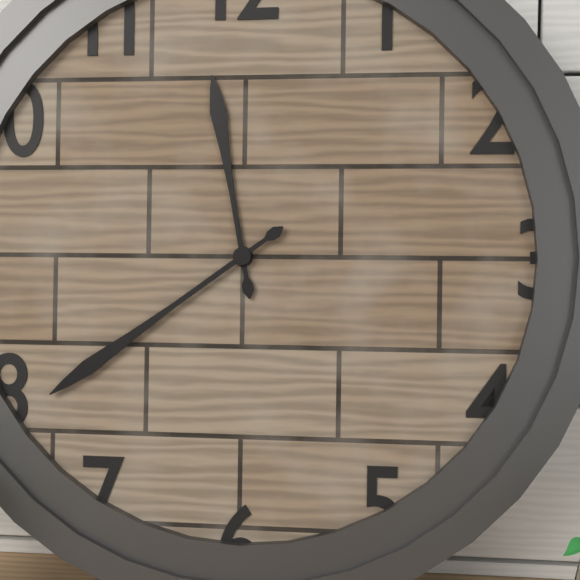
11:39
